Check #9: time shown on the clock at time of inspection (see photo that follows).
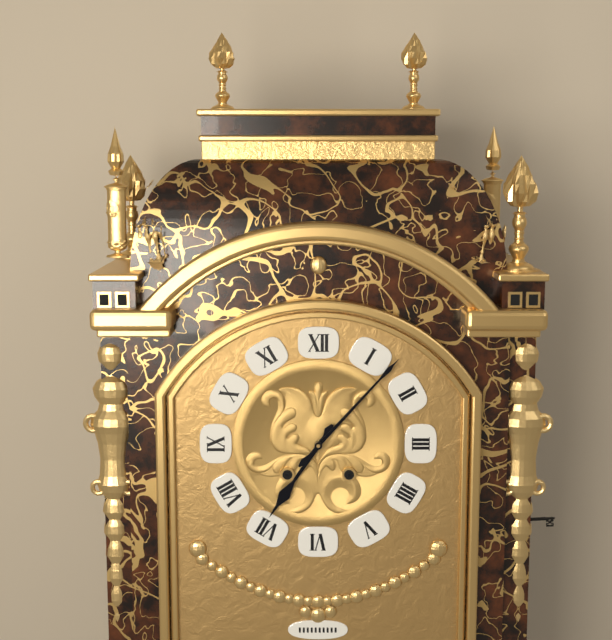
7:07
